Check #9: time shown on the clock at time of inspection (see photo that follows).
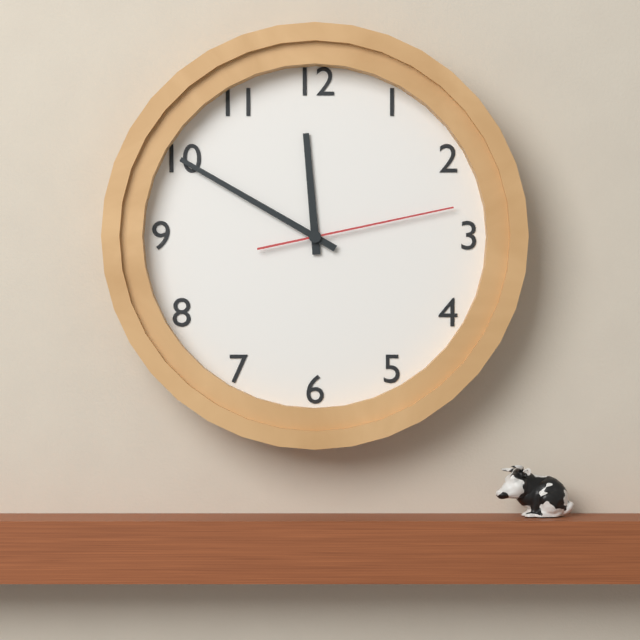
11:50:13
